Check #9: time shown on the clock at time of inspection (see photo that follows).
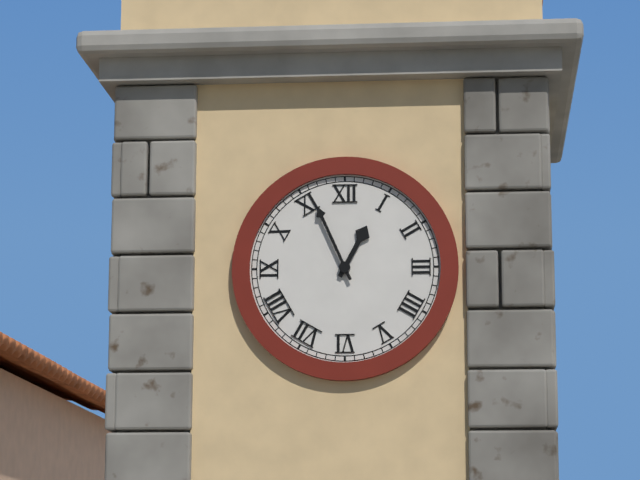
12:56
